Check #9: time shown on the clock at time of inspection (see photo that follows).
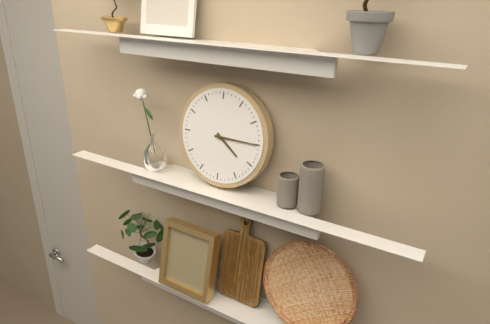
4:15
